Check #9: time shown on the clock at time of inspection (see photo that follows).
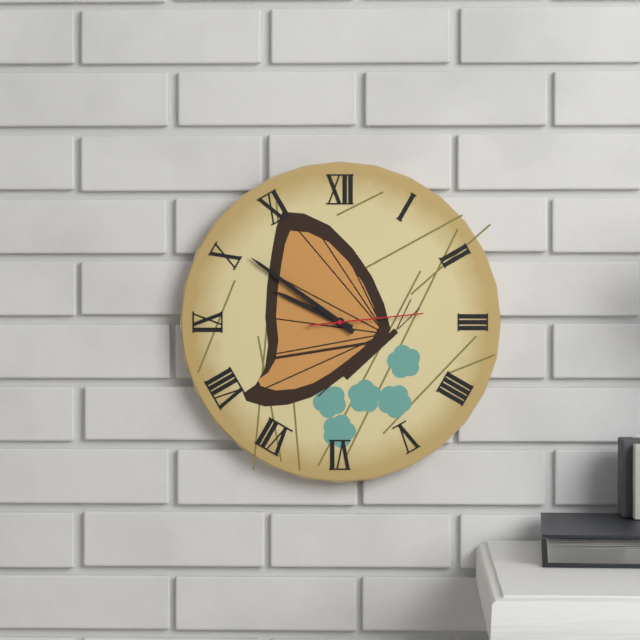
9:51:14
